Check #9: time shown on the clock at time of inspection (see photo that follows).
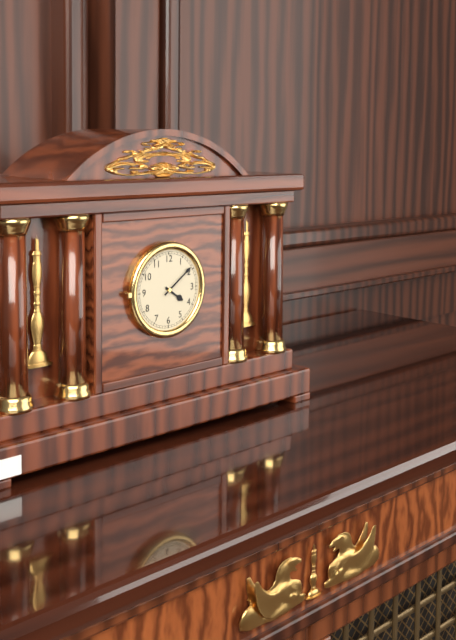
4:09
